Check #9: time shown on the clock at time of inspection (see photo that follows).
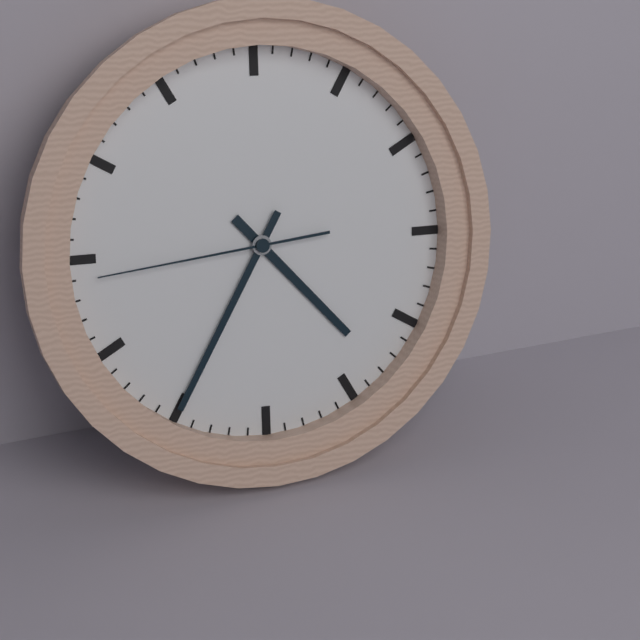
4:35:44
